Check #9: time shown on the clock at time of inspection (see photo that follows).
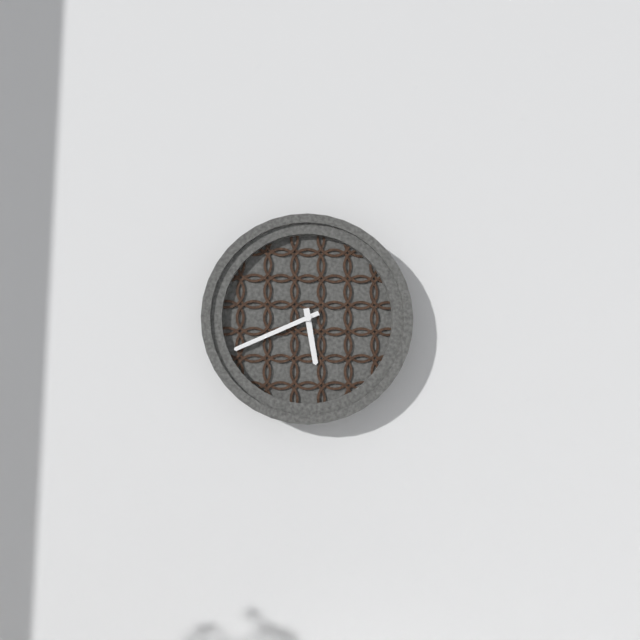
5:41
